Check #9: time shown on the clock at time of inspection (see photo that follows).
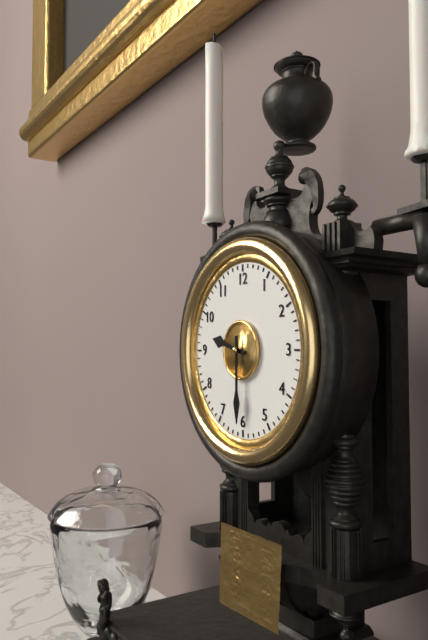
9:30
